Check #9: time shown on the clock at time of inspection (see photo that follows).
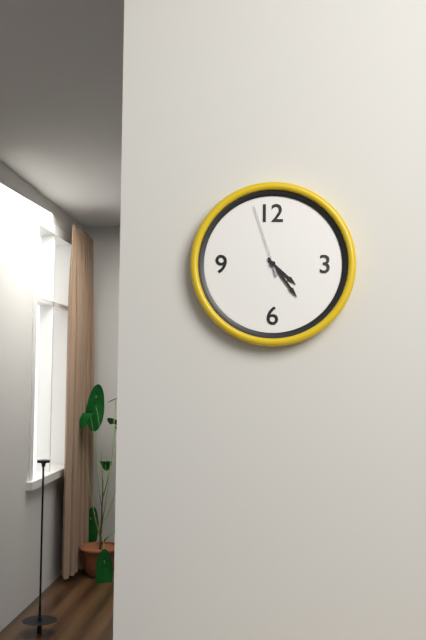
4:24:57
